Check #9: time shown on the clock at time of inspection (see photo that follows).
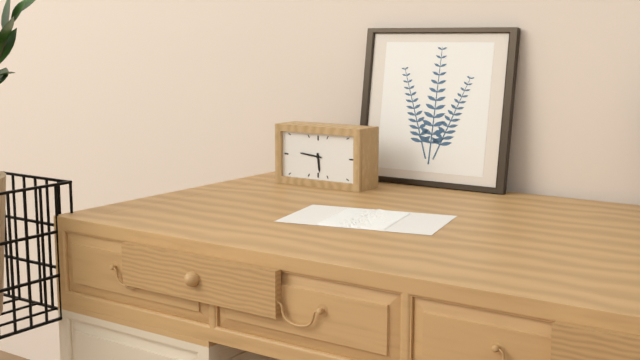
5:46
